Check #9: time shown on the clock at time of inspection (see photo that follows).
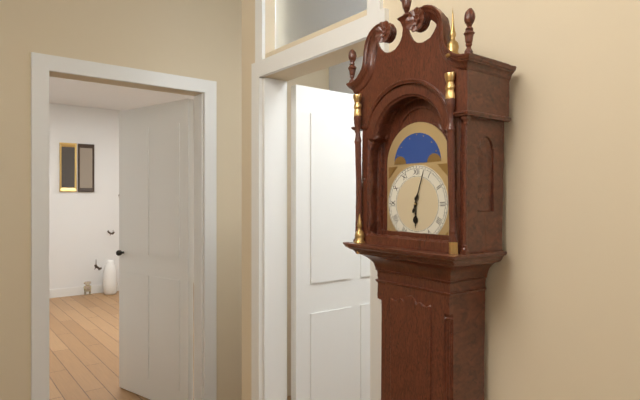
6:03
